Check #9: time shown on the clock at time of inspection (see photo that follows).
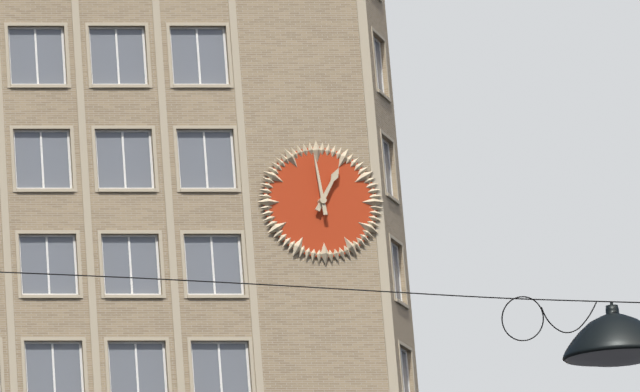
12:59
